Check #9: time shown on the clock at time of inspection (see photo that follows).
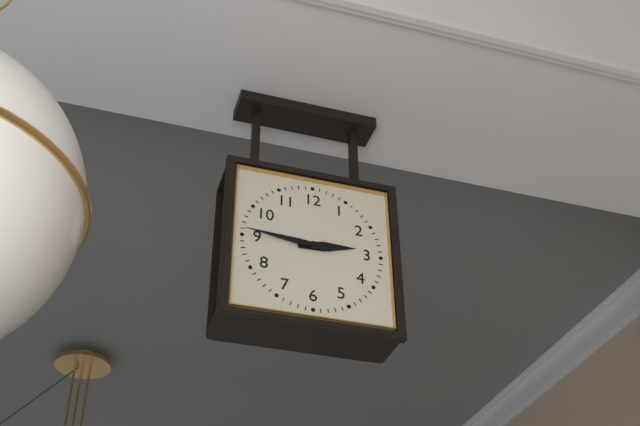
2:46
